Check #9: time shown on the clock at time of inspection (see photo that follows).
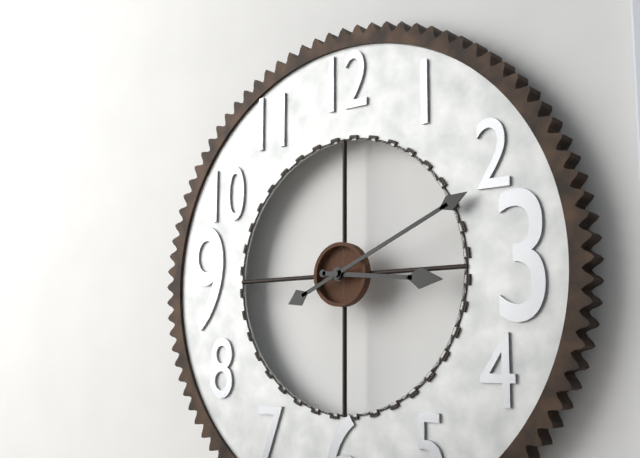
3:11
